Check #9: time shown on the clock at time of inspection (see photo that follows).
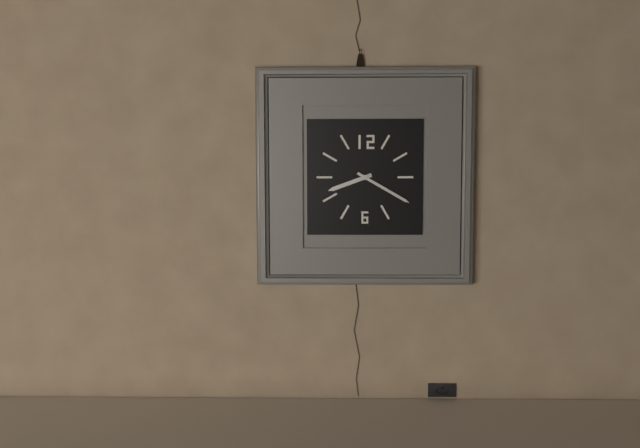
8:20
